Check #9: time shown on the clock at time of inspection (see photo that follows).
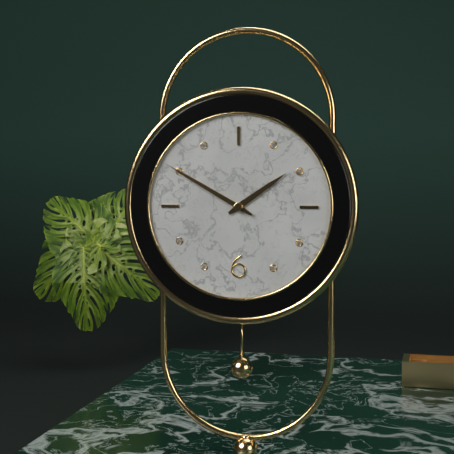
1:50
